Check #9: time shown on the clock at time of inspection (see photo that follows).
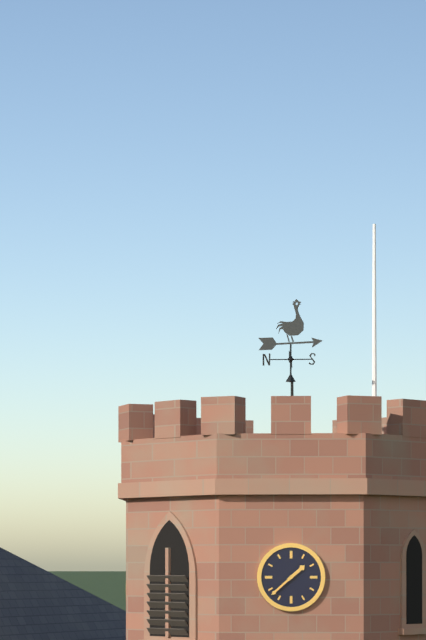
1:38
